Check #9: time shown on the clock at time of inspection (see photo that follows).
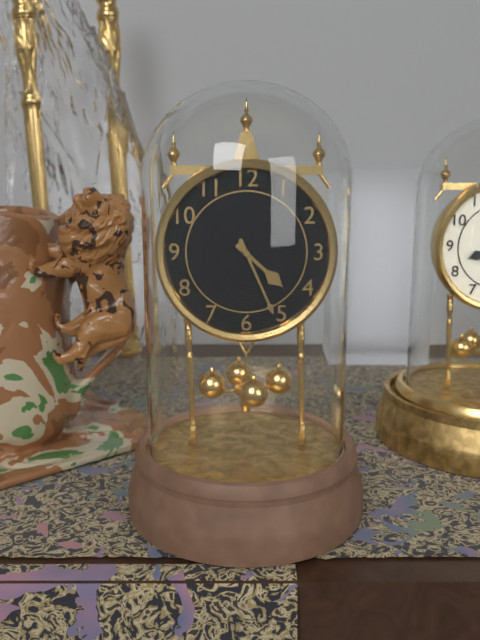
4:26
